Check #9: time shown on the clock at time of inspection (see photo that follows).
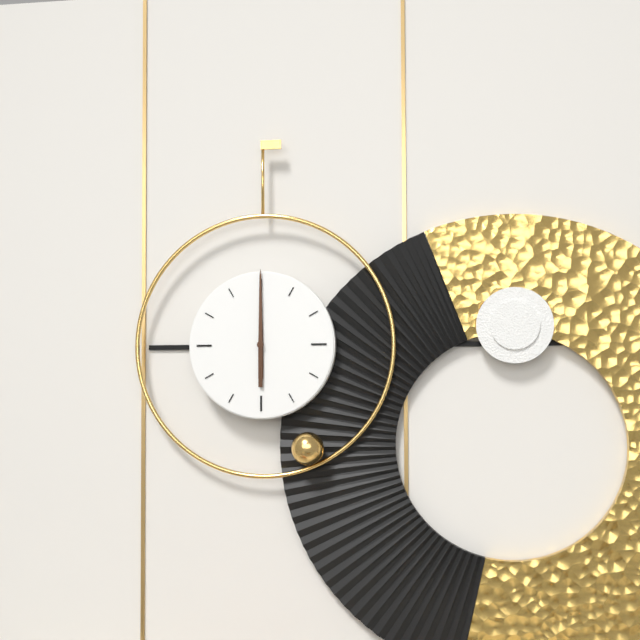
12:00
